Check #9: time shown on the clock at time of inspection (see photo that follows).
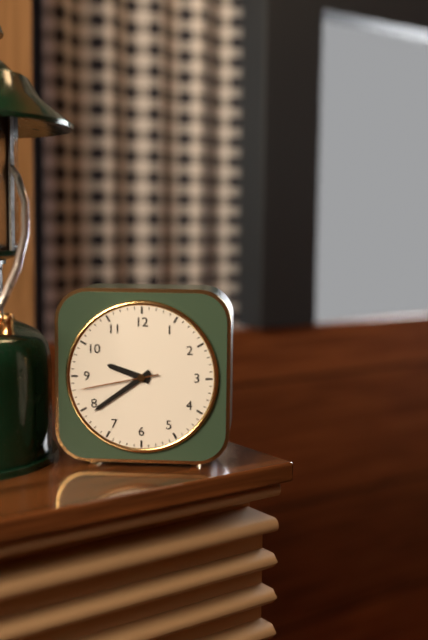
9:39:43
